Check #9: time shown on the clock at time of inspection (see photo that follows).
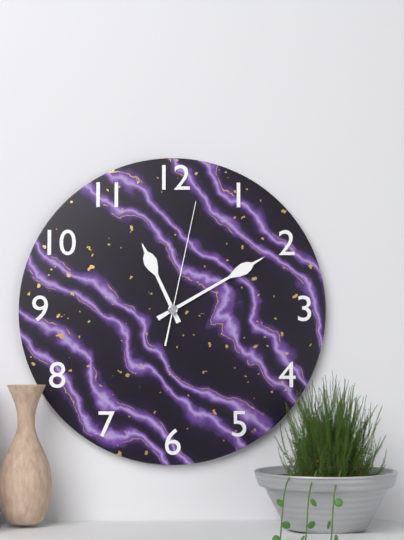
11:10:02
